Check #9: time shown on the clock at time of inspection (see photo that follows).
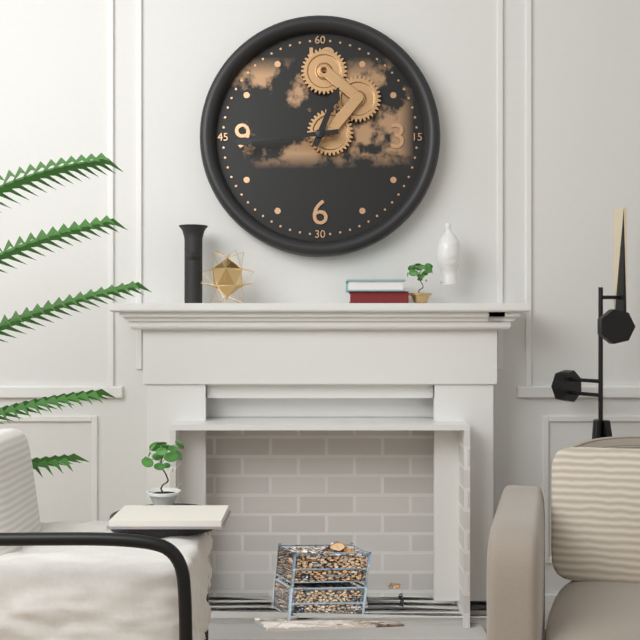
12:44
